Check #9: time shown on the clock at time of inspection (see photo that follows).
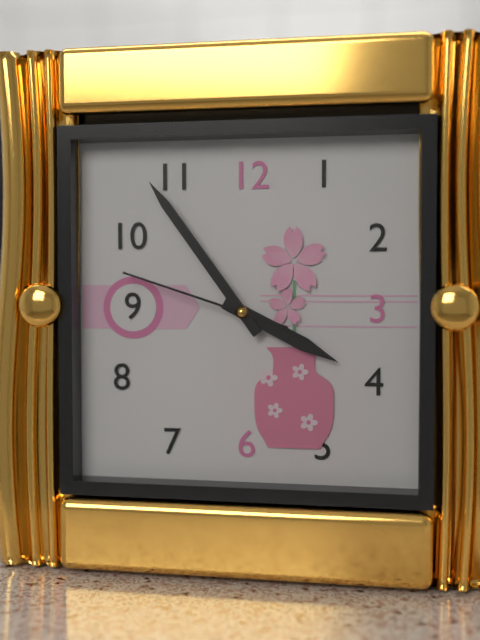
3:54:48
